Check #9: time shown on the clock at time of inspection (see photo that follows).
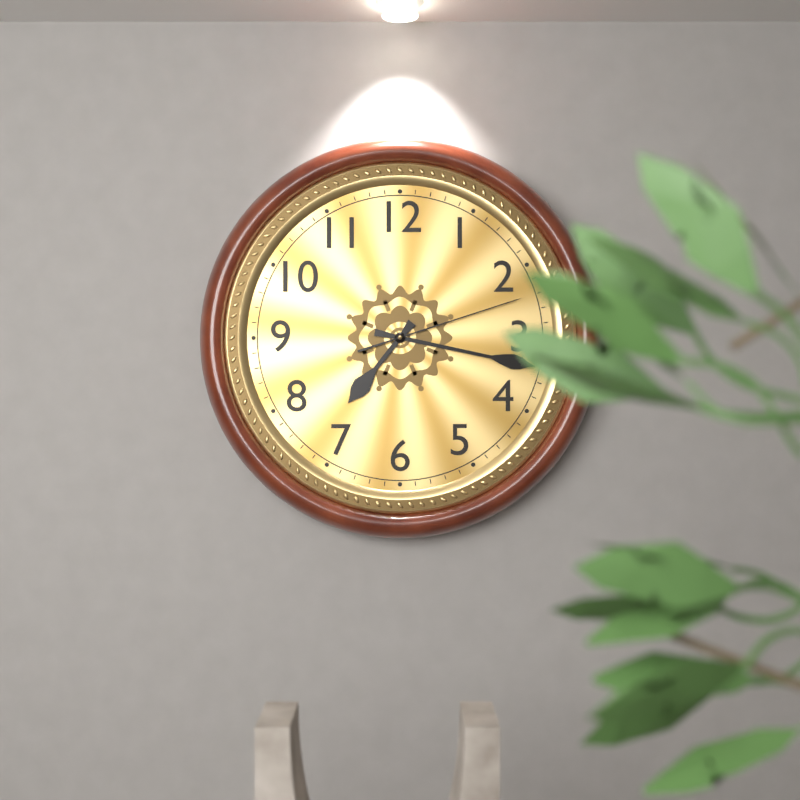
7:17:12
